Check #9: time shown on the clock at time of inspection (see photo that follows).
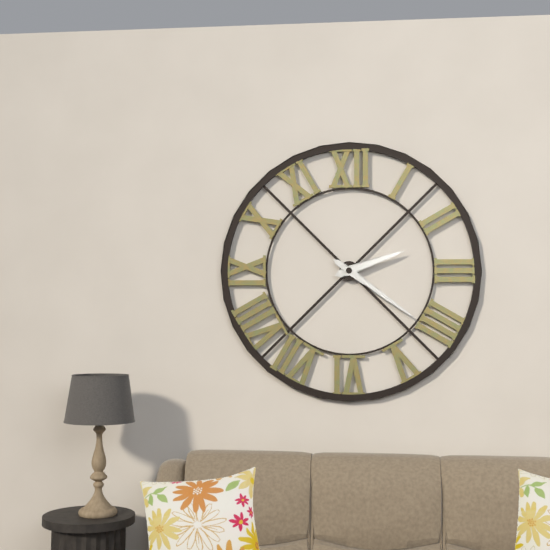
2:21
